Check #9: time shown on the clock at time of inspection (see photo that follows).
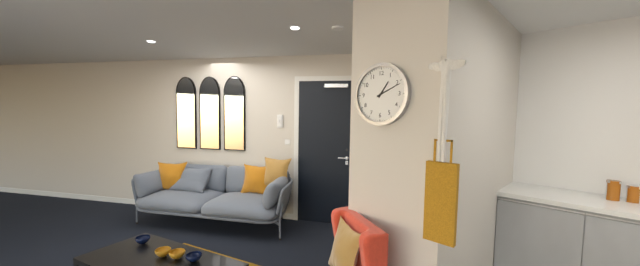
1:11
